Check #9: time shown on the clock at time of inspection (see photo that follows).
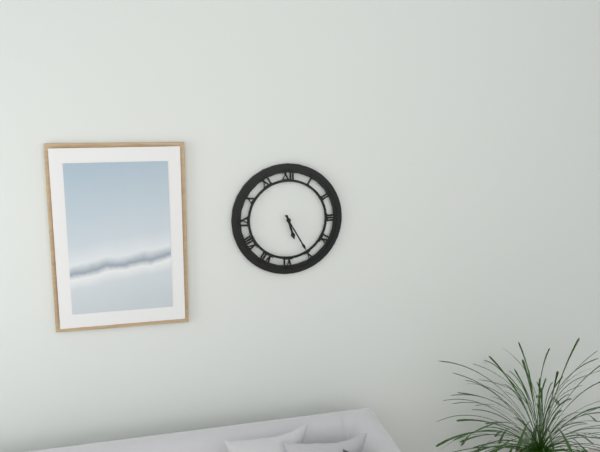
5:25
